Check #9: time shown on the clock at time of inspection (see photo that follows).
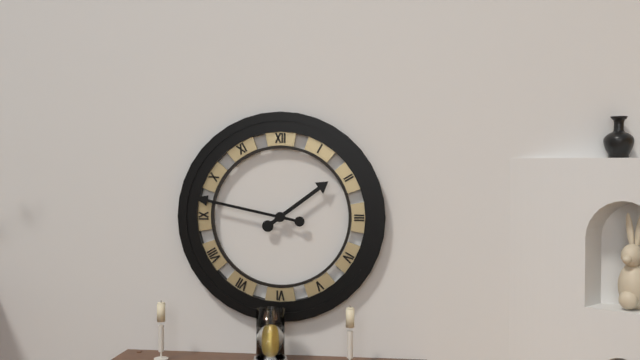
1:47
